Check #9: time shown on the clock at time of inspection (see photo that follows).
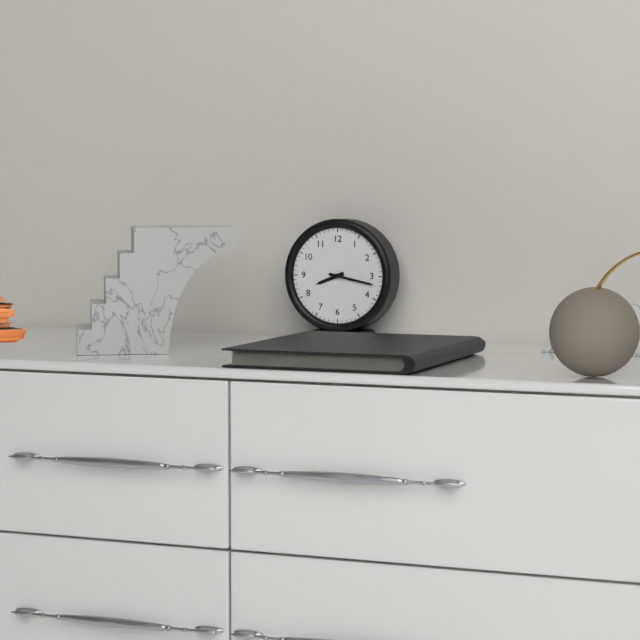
8:17
